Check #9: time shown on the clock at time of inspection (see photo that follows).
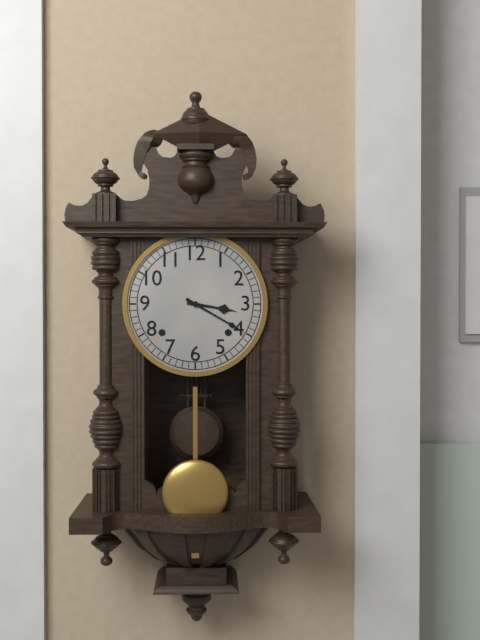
3:20
